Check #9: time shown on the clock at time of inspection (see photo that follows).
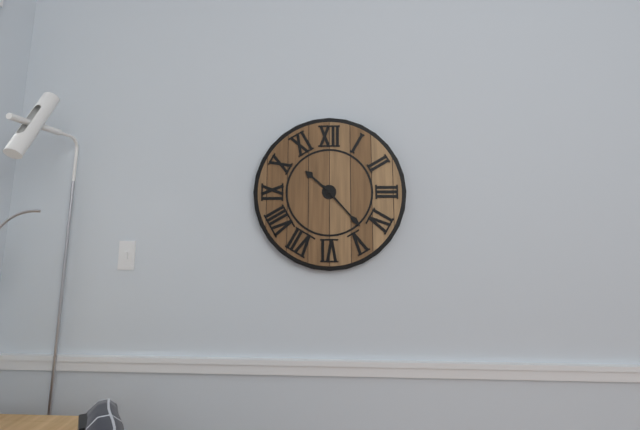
10:23
